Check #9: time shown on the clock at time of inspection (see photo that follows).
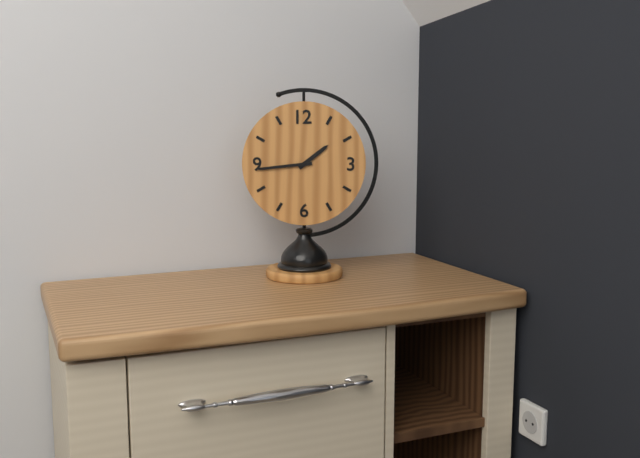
1:44
